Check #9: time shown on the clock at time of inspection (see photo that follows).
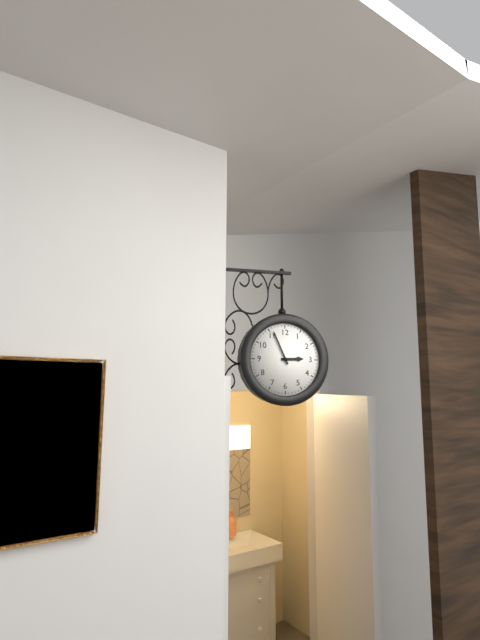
2:56
